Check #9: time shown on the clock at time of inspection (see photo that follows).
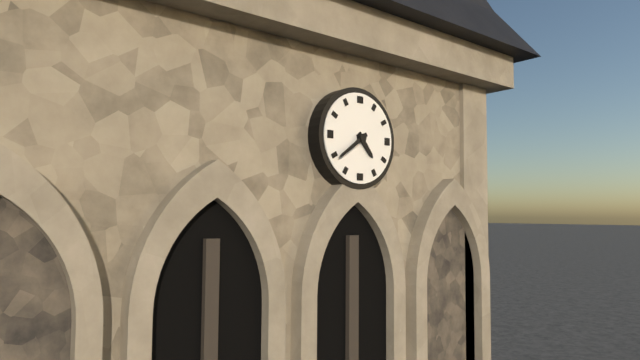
4:39
